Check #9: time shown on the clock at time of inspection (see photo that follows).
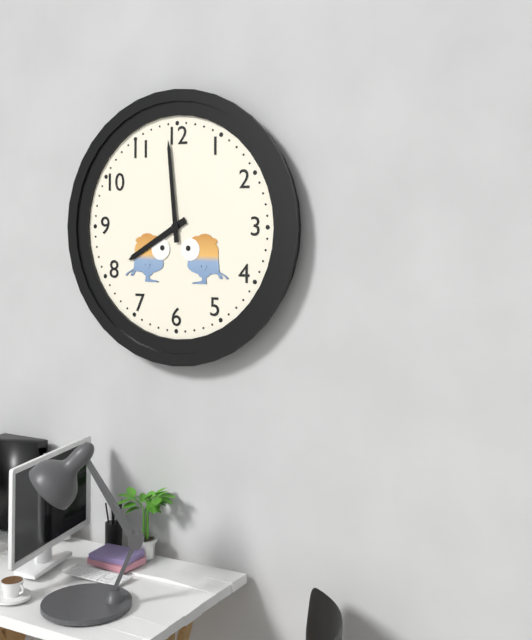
7:59
